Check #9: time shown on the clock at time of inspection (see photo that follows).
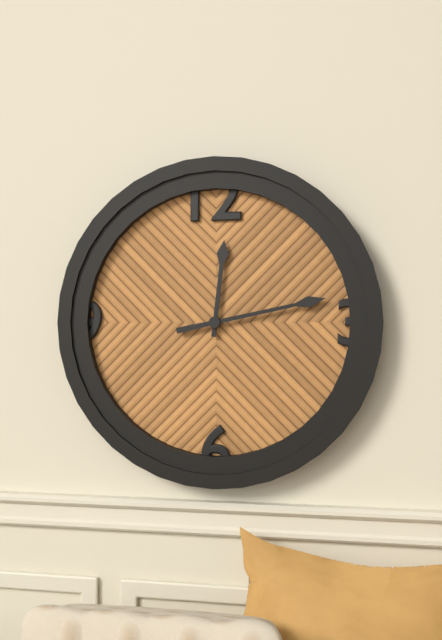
12:13
